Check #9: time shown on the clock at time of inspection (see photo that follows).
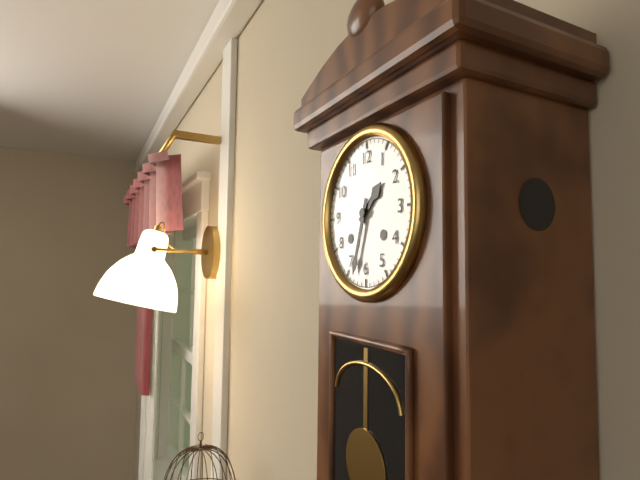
1:33
